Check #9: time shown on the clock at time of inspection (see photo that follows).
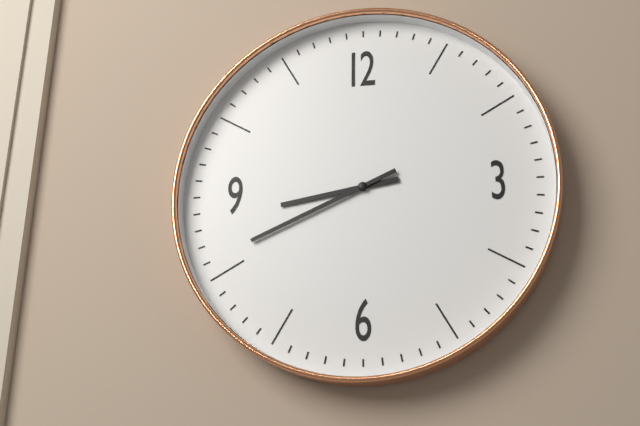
8:41
